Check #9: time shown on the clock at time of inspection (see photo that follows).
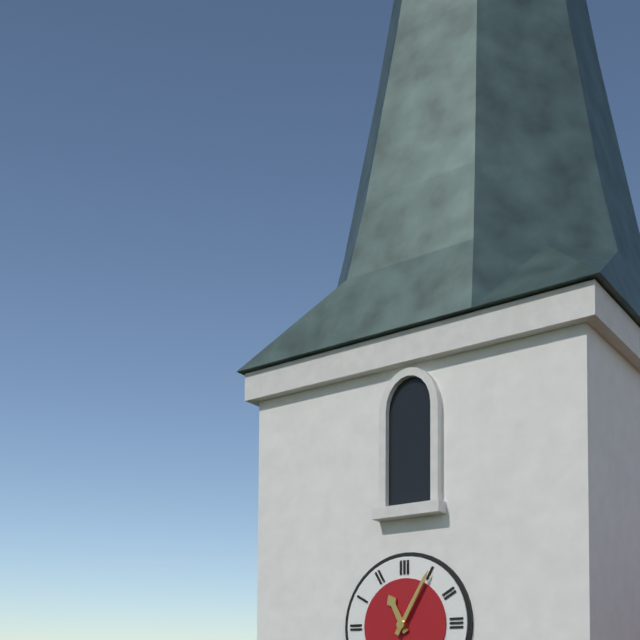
11:05
